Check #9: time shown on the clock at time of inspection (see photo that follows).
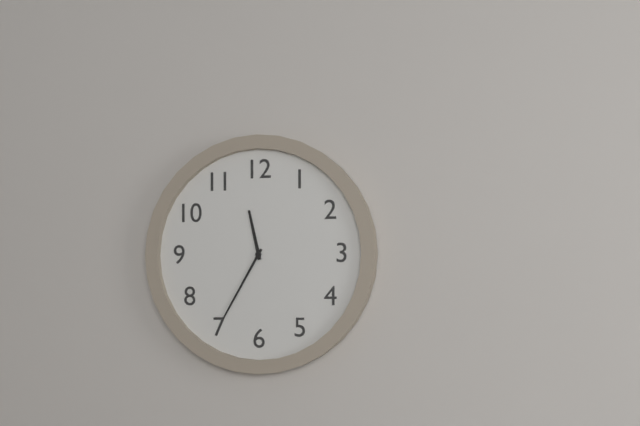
11:35
